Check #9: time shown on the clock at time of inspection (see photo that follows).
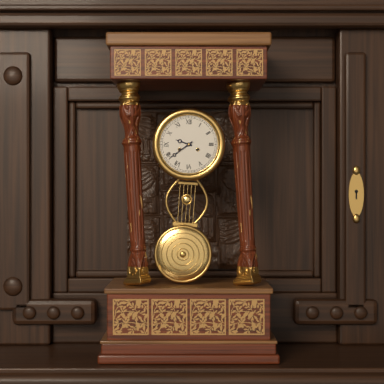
9:39
